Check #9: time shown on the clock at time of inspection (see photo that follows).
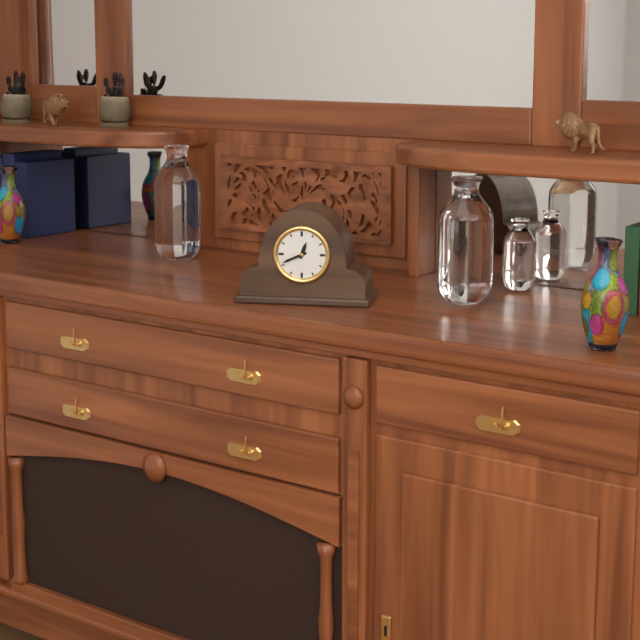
12:41
